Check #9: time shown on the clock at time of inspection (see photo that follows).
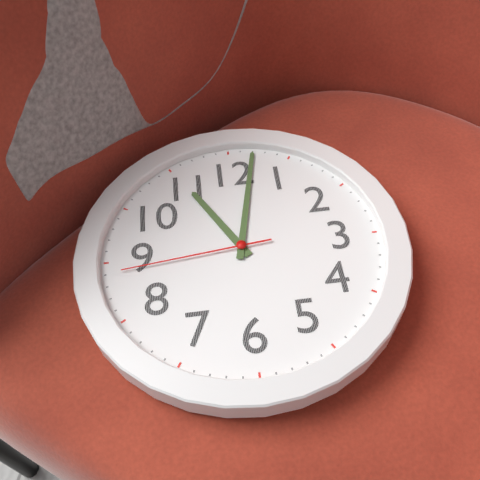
11:02:44
